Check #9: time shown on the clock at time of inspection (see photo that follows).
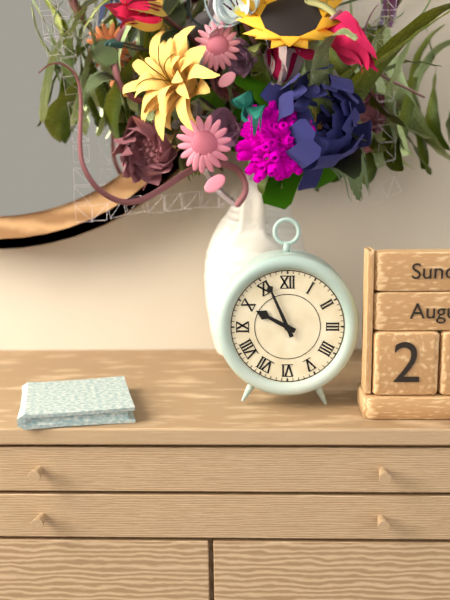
9:56
